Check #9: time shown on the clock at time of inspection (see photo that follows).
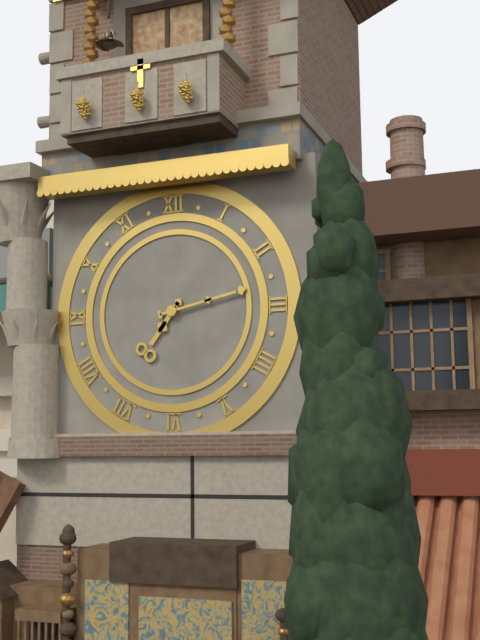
7:13
